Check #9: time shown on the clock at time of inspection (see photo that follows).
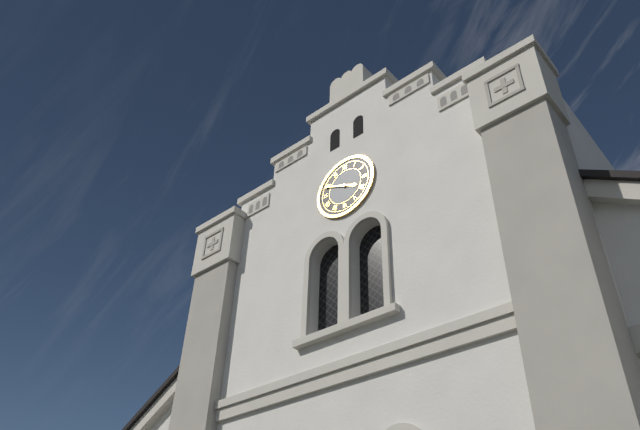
3:49
